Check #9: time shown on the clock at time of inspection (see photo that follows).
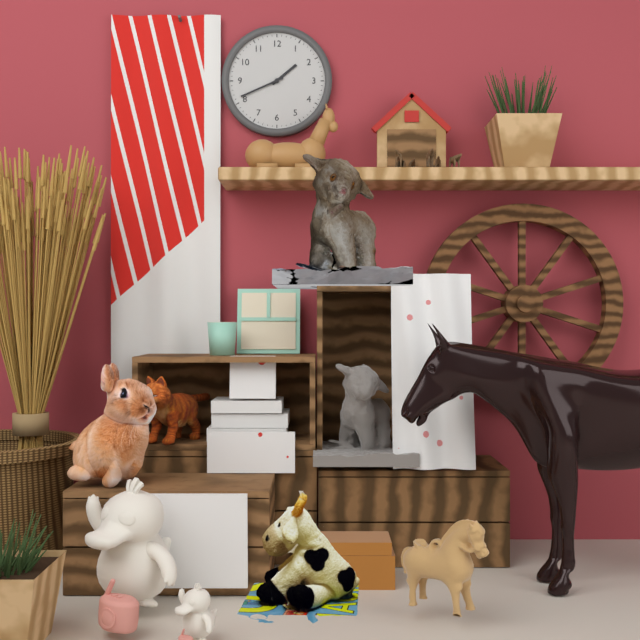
1:41
